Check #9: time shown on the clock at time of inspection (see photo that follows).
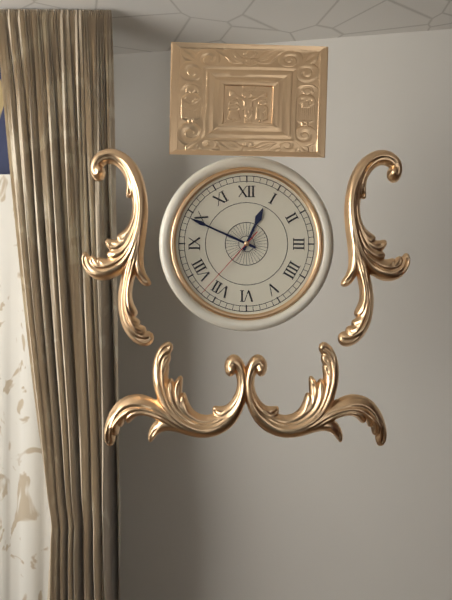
12:49:37
